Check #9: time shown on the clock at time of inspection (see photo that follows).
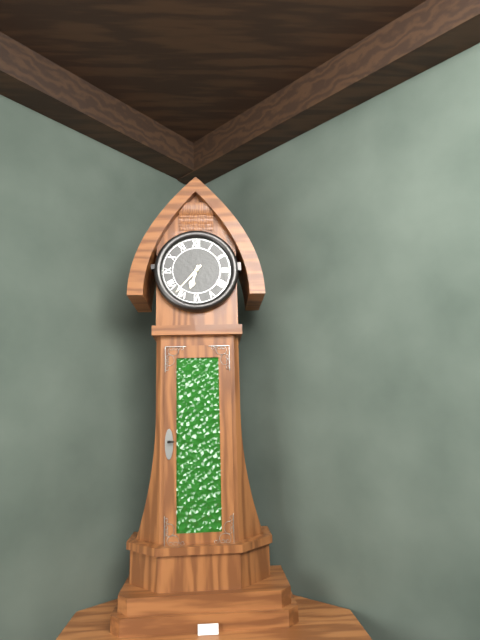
6:37
